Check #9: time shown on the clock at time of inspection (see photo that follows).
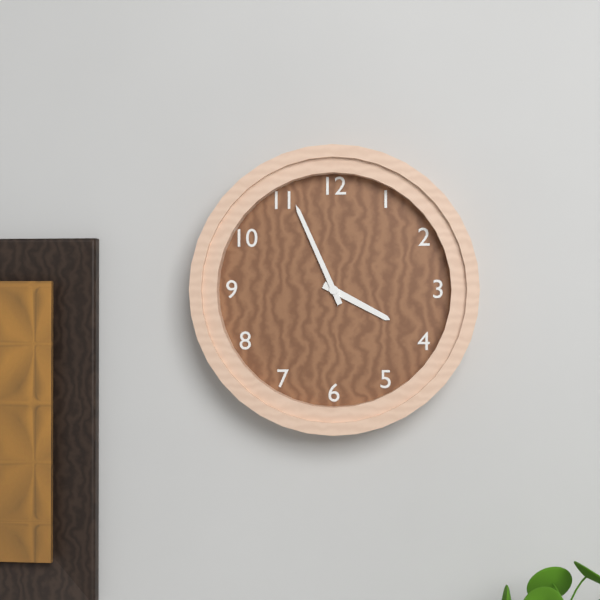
3:56
